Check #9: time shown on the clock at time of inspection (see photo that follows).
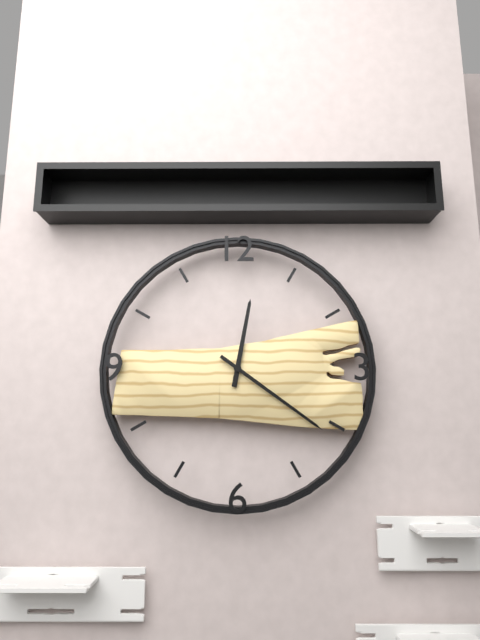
12:21
